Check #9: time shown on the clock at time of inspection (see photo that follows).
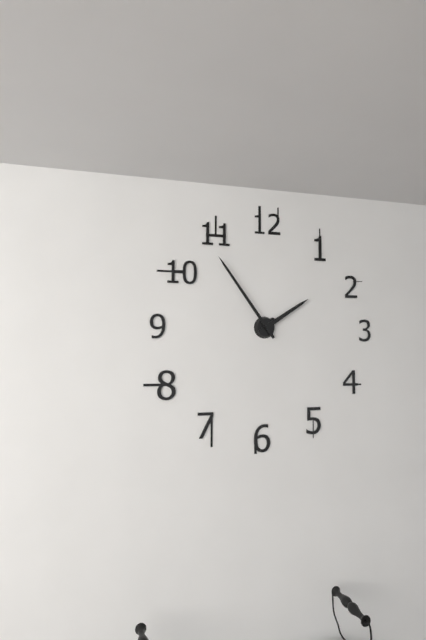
1:54
